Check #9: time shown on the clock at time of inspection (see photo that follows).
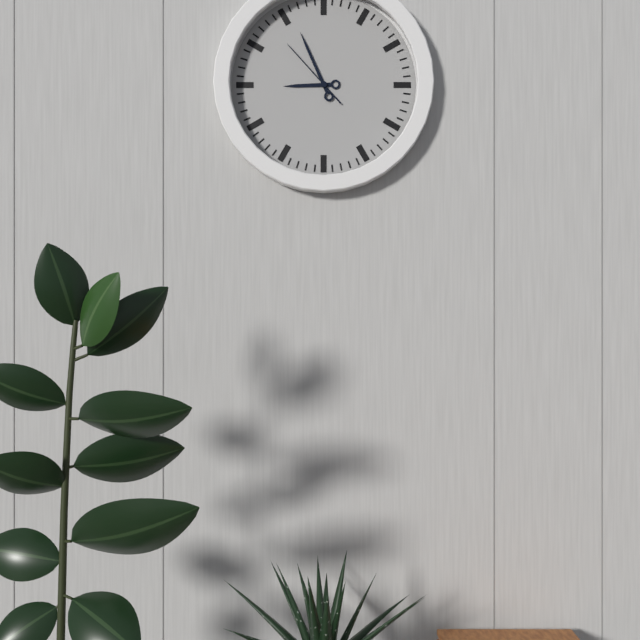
8:56:53
